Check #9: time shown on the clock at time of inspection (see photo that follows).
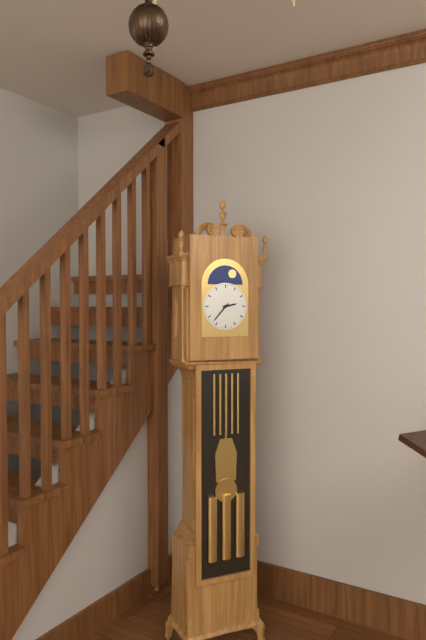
2:37
